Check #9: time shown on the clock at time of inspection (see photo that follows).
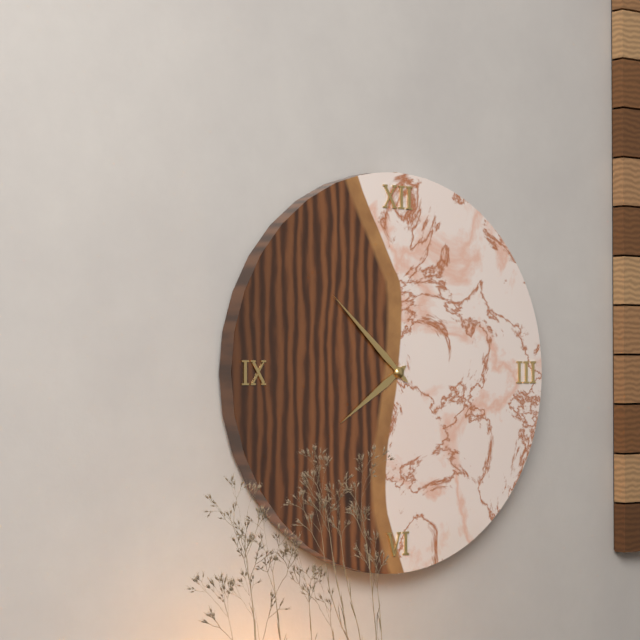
7:52
